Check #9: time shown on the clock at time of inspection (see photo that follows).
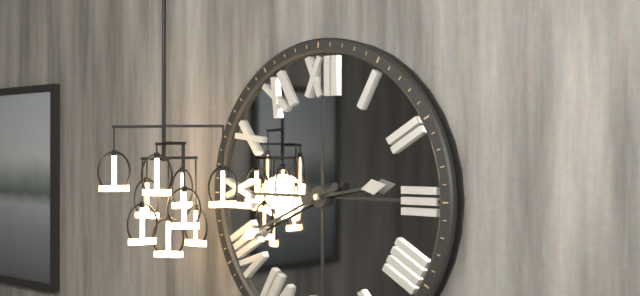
2:41
